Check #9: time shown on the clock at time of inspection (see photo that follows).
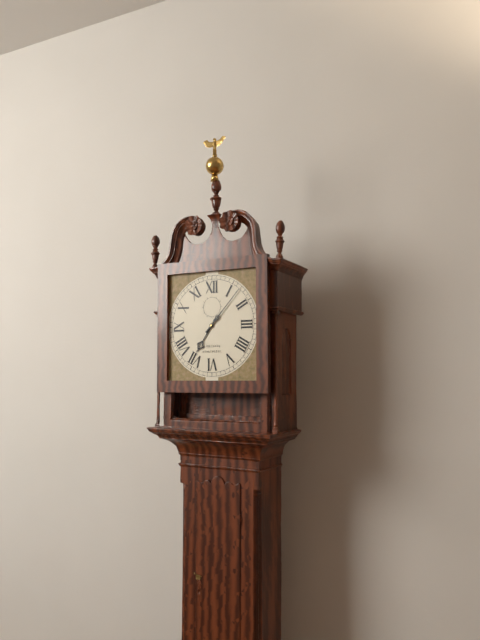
7:07
